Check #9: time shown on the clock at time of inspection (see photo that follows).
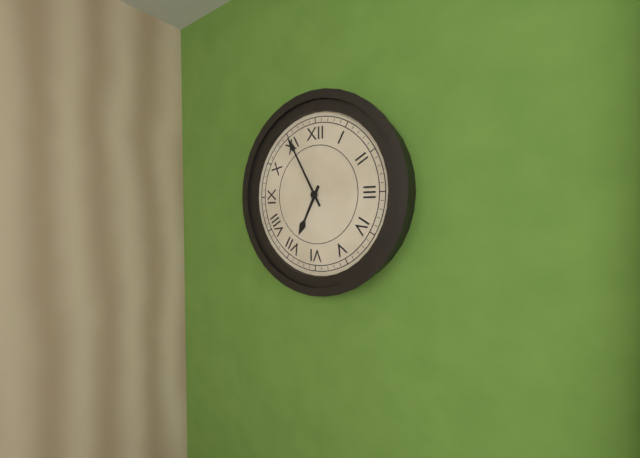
6:55
